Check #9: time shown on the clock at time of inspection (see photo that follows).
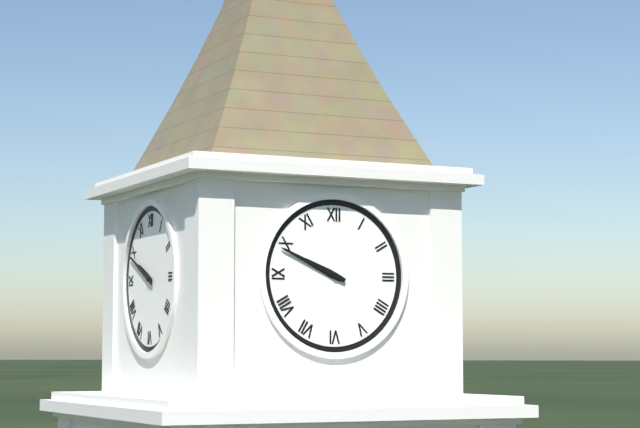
9:49
